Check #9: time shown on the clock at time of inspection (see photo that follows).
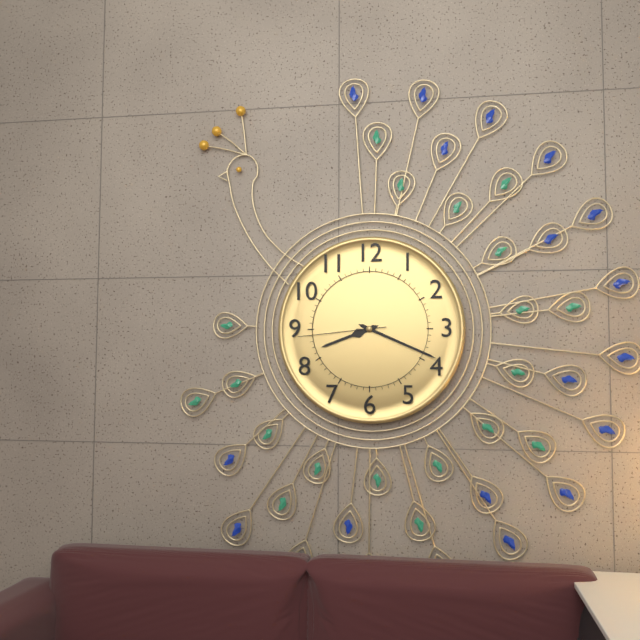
8:19:44
